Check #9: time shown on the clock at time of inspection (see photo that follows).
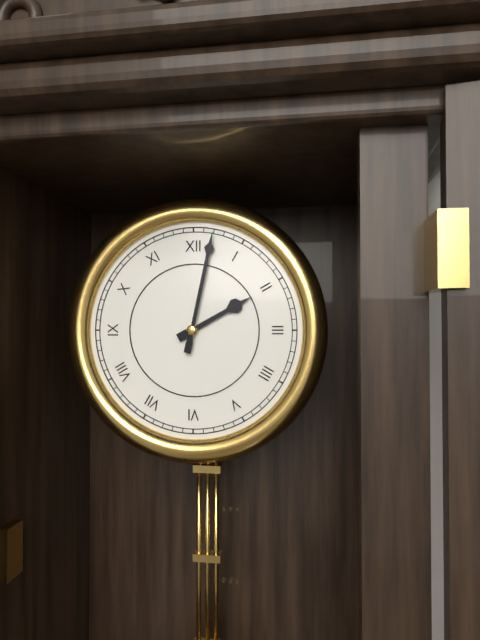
2:02
